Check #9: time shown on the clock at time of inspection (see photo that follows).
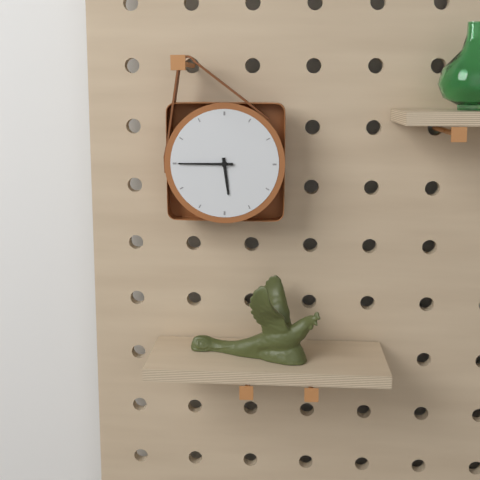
5:45
